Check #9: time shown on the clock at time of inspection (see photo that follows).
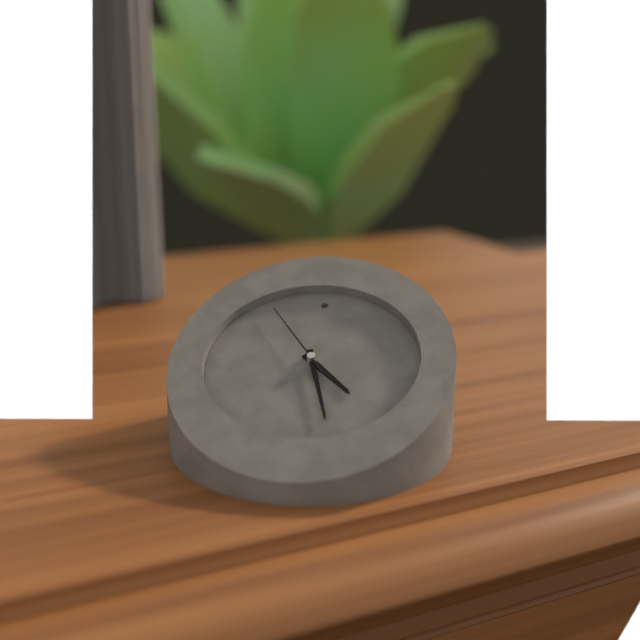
4:27:54
